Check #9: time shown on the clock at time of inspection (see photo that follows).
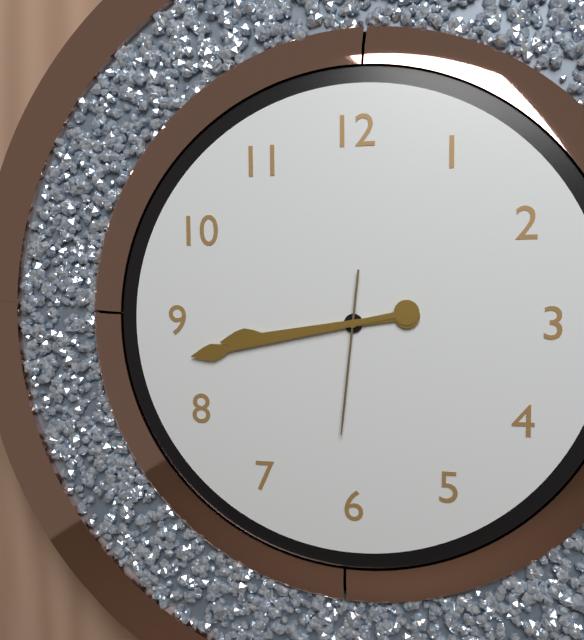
8:43:31
